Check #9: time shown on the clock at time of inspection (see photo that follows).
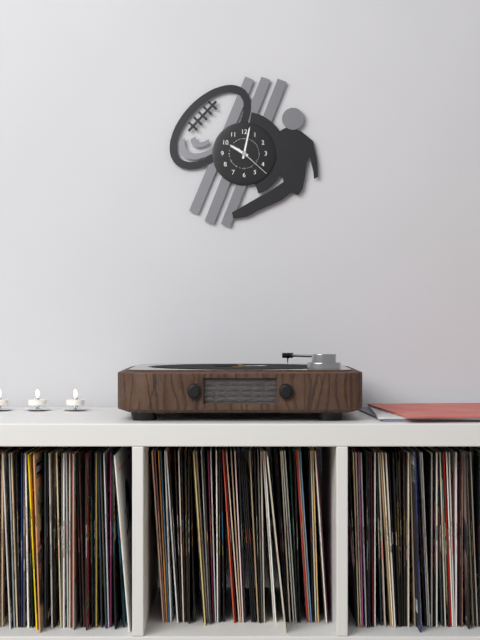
10:02
